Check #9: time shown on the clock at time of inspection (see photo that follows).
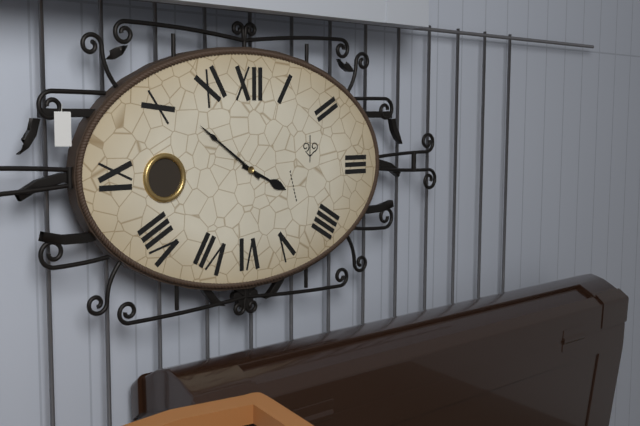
3:51
